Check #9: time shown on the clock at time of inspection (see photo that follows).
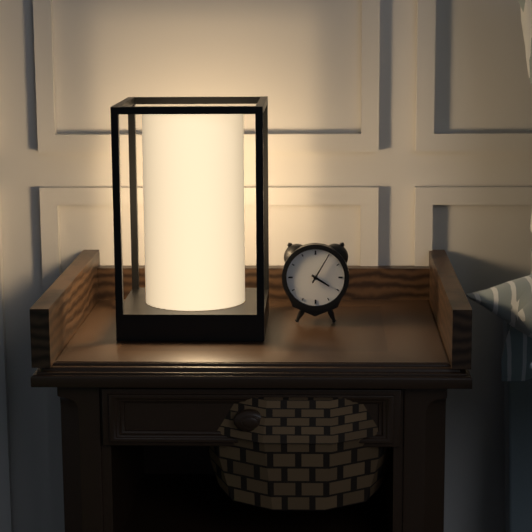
4:05
